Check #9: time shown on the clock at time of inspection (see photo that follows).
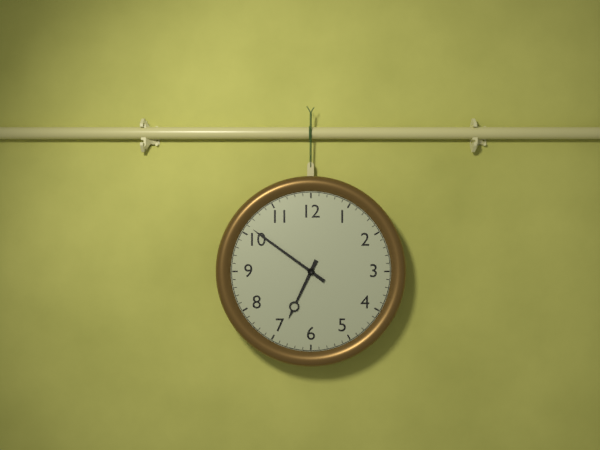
6:51
